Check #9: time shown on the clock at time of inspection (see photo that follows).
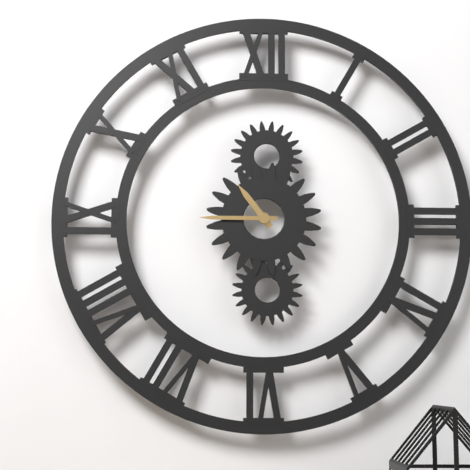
10:45
